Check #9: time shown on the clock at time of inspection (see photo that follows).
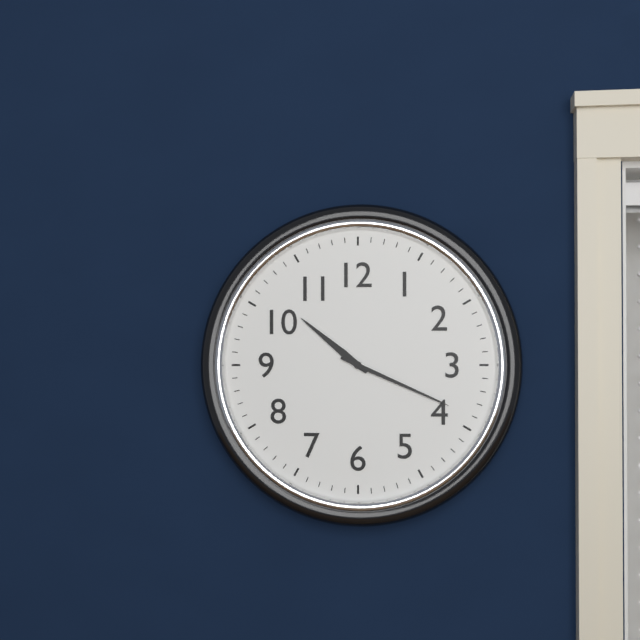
10:19
